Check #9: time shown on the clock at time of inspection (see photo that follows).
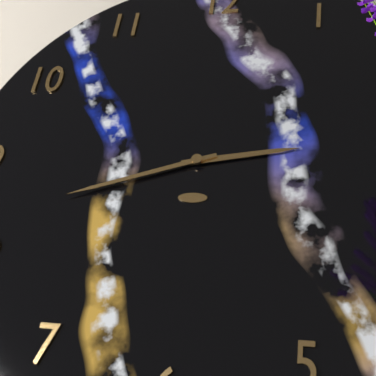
2:42
